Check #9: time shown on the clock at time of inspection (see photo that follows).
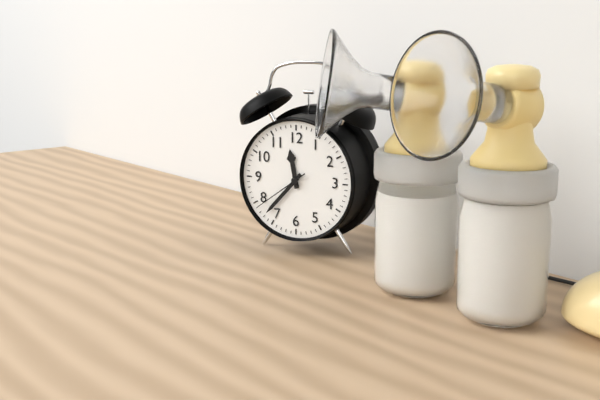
11:37:39
